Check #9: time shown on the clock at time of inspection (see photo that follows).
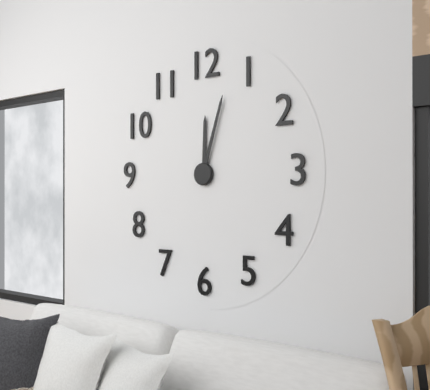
12:03
